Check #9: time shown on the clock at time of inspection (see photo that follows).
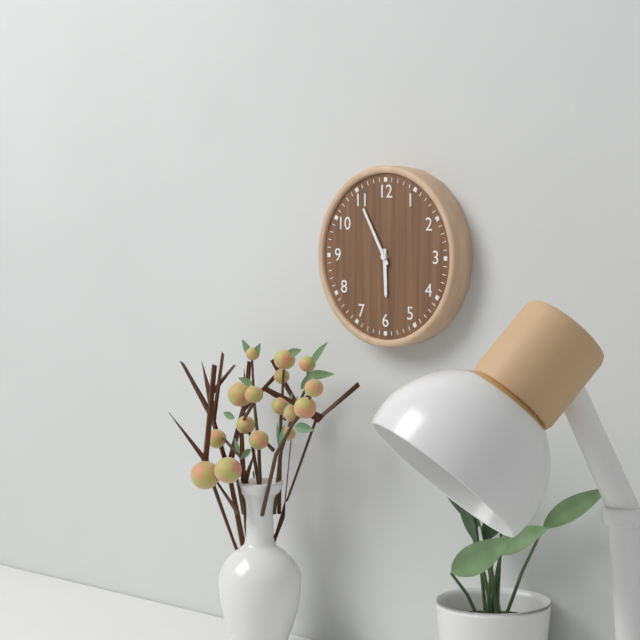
5:55
